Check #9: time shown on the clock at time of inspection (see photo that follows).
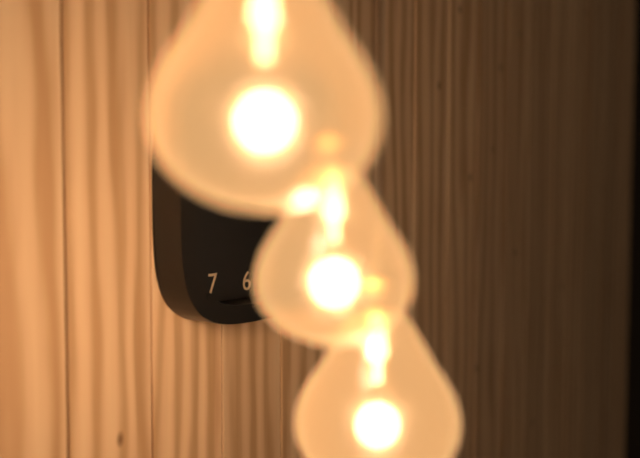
11:12
